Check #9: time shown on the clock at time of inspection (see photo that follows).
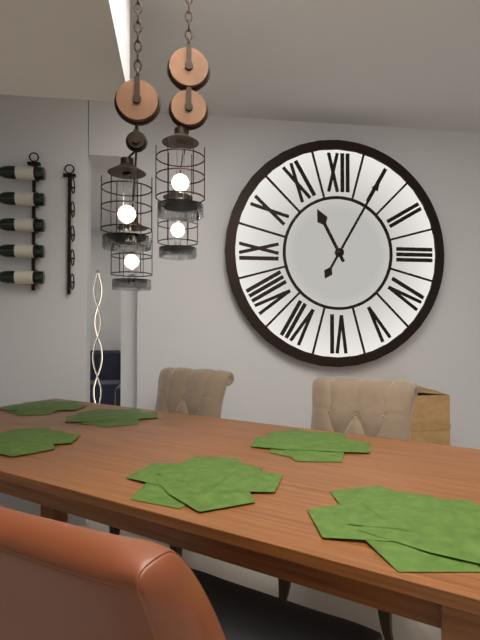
11:05
